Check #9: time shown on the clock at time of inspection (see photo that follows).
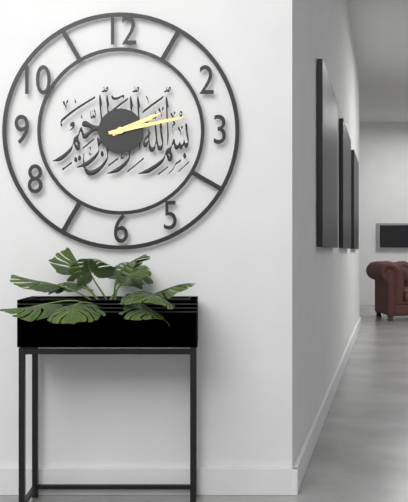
2:13
